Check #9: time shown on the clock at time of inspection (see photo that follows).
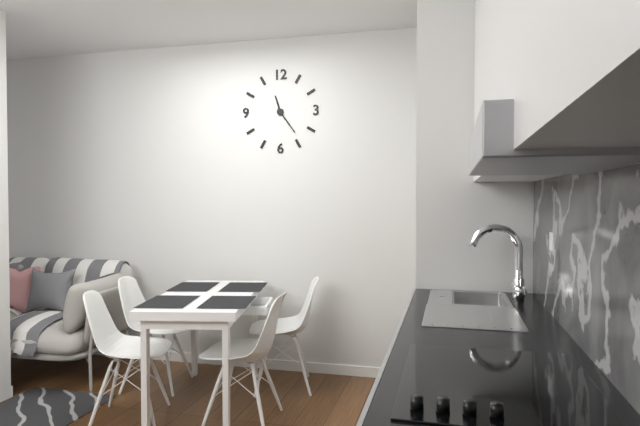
11:24
